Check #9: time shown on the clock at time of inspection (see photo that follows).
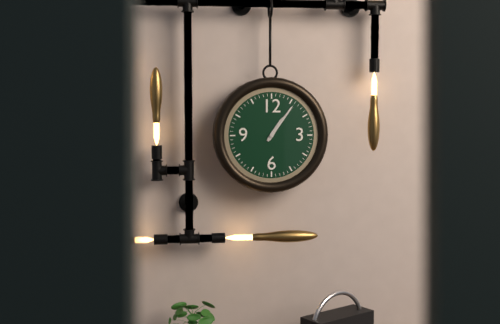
1:06
